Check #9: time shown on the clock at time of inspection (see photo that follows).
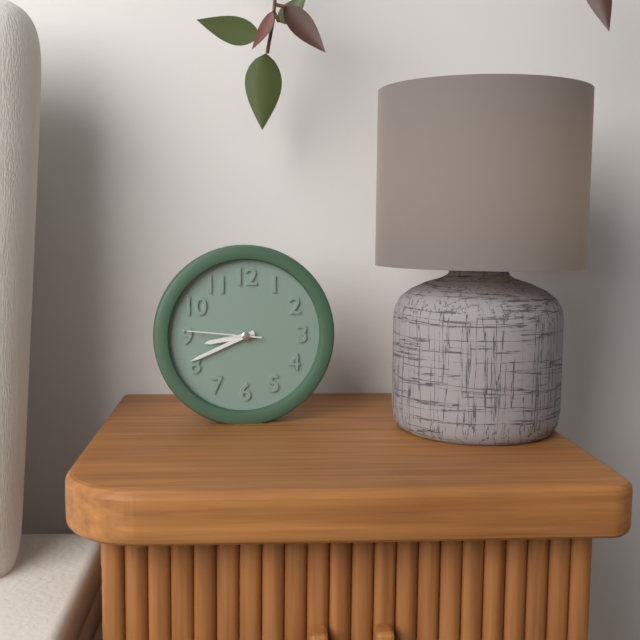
8:41:46
